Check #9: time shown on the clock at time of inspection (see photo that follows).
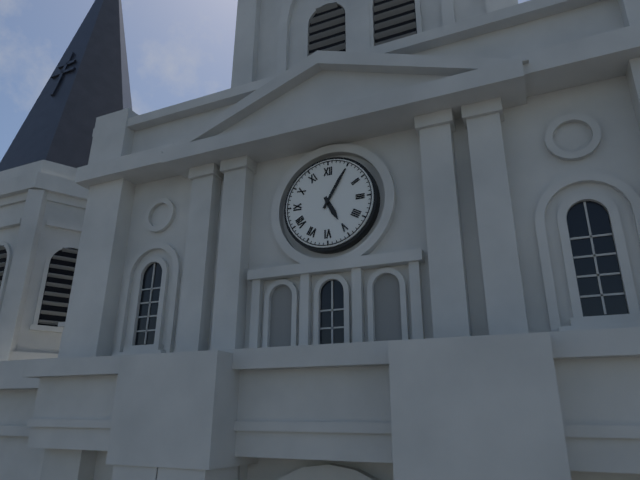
5:05
